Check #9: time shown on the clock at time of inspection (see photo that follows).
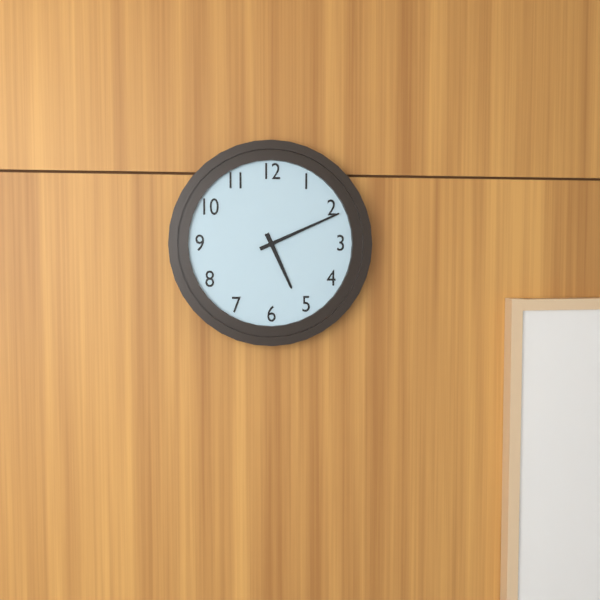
5:11
